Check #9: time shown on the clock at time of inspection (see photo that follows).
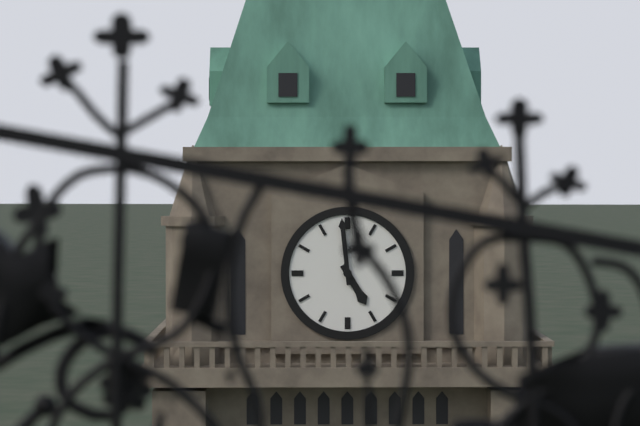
4:59
